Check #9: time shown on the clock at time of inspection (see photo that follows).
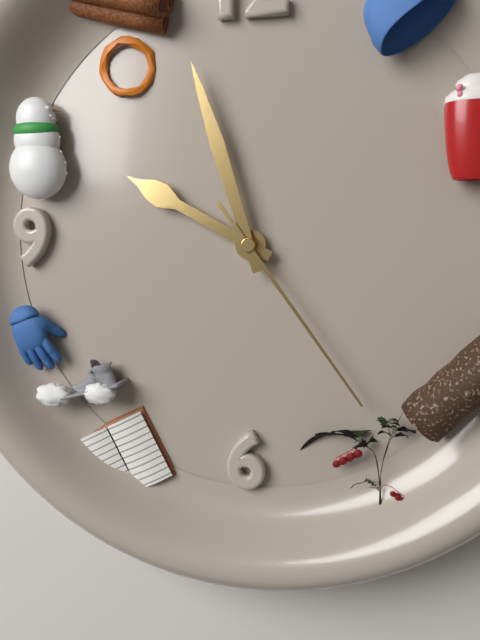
9:57:24
